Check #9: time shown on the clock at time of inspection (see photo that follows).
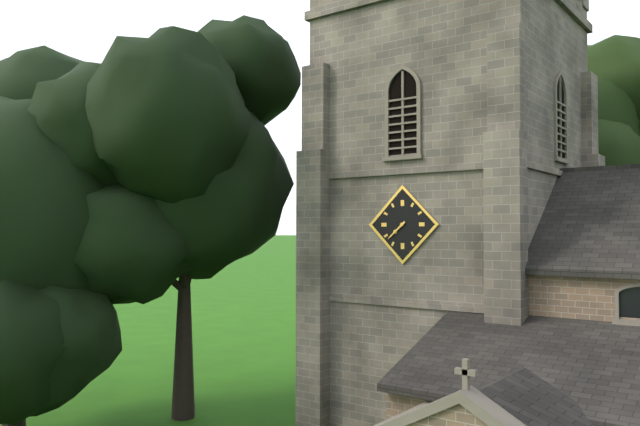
7:38
